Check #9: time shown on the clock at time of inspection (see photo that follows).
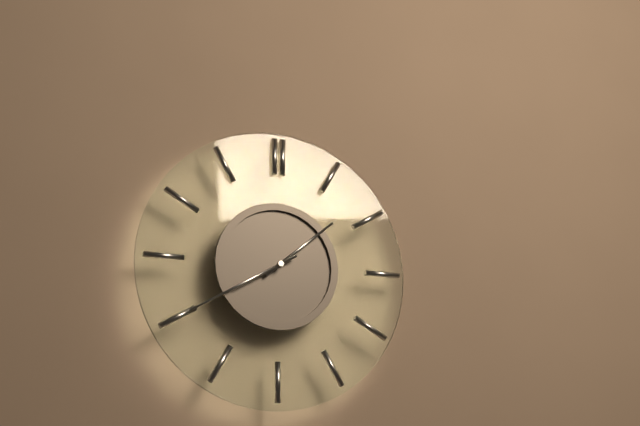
1:40
